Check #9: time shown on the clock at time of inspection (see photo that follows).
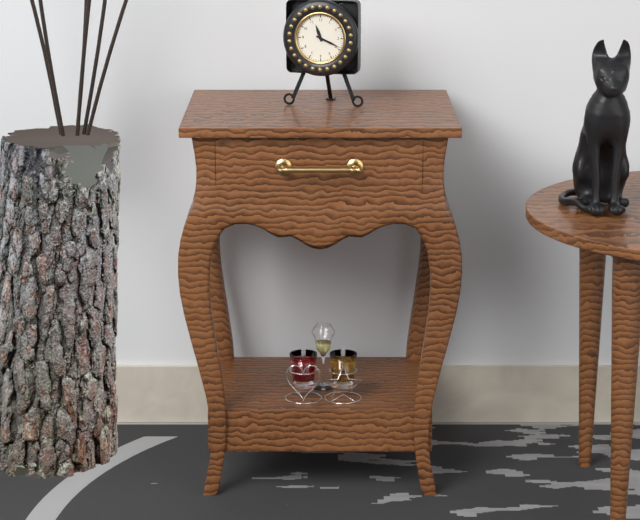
11:19
